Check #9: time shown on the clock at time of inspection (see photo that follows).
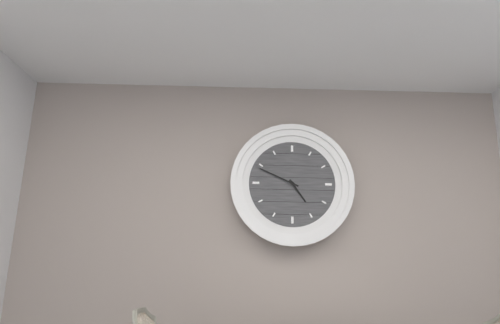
4:49
